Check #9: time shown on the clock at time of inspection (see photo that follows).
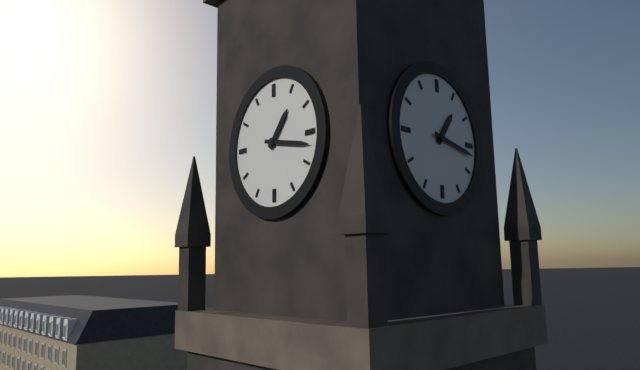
1:17
